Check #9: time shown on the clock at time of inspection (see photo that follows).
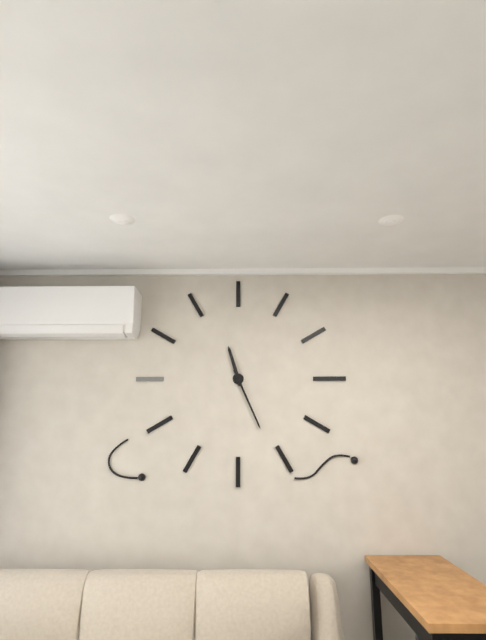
11:26
